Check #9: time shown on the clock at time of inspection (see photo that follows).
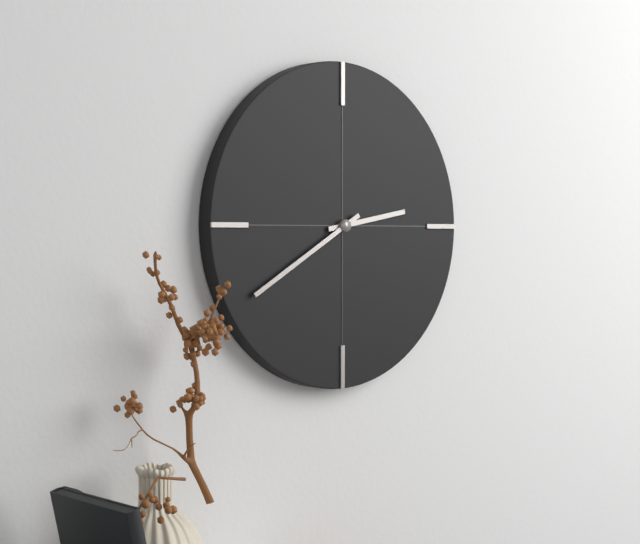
2:40
